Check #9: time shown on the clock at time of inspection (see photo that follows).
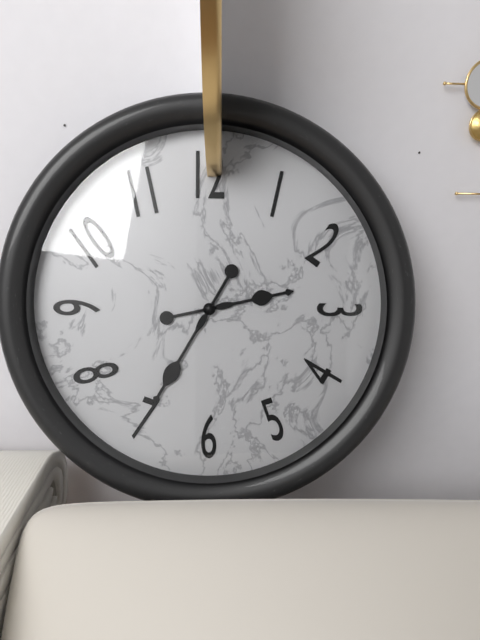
2:35
